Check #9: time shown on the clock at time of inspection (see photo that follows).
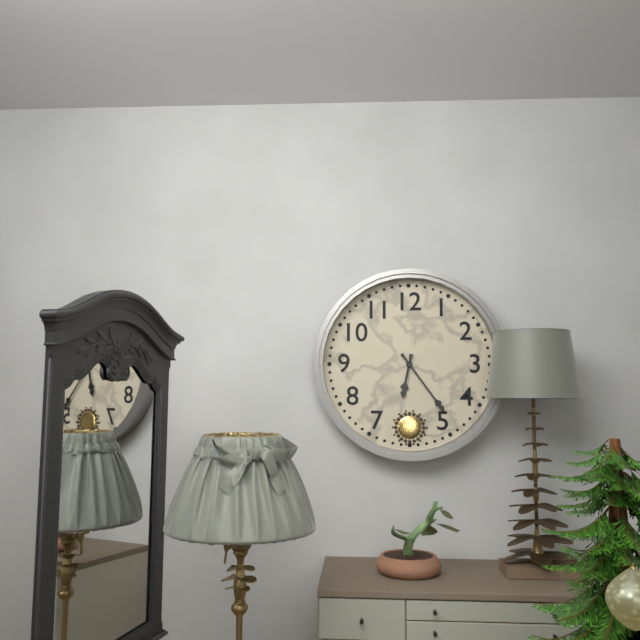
6:24
